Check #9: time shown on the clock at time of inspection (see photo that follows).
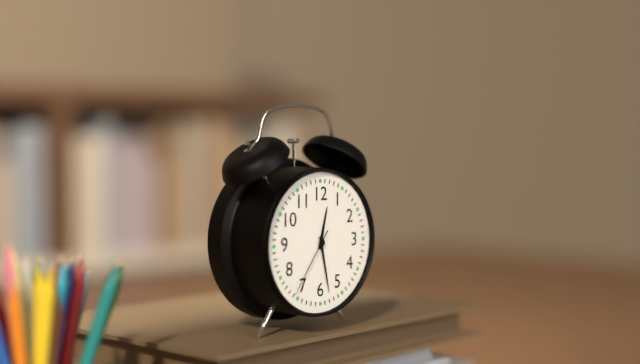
12:28:36
